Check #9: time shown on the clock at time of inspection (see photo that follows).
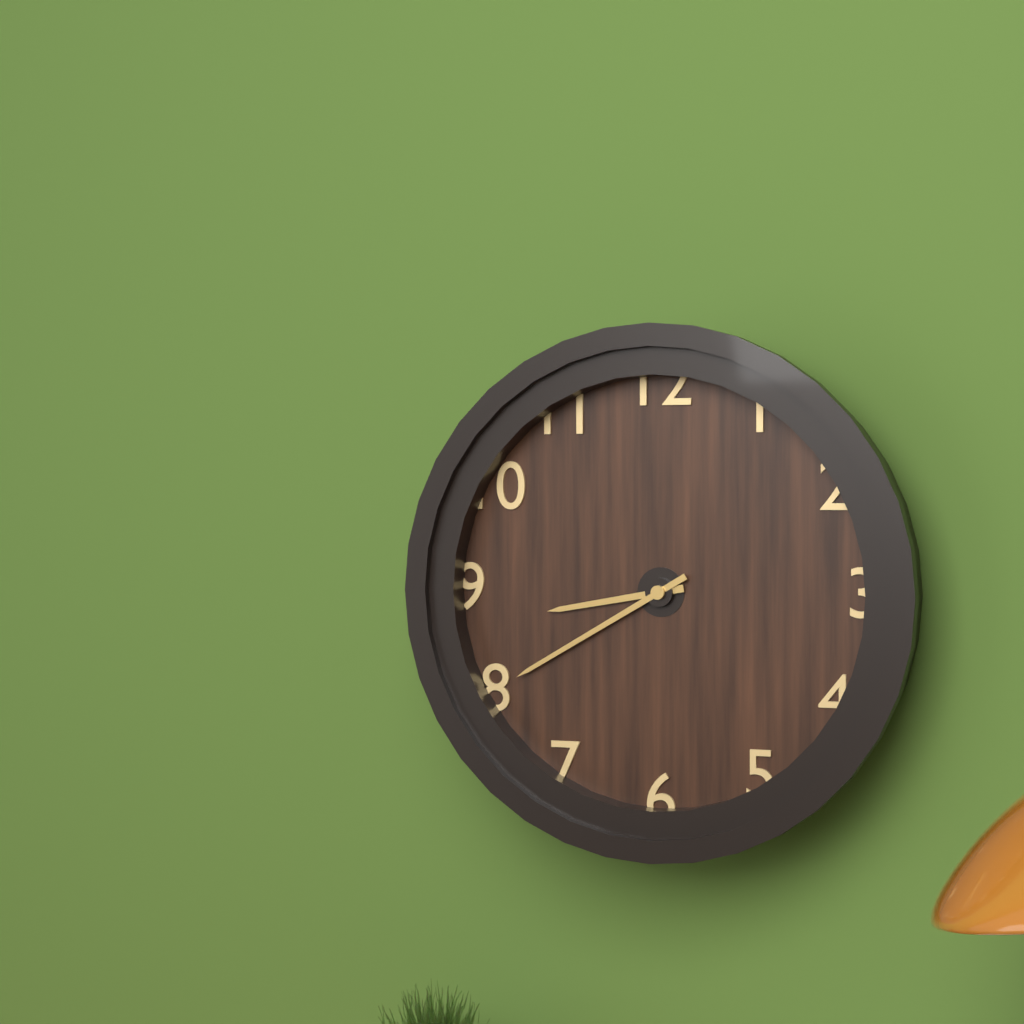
8:40
